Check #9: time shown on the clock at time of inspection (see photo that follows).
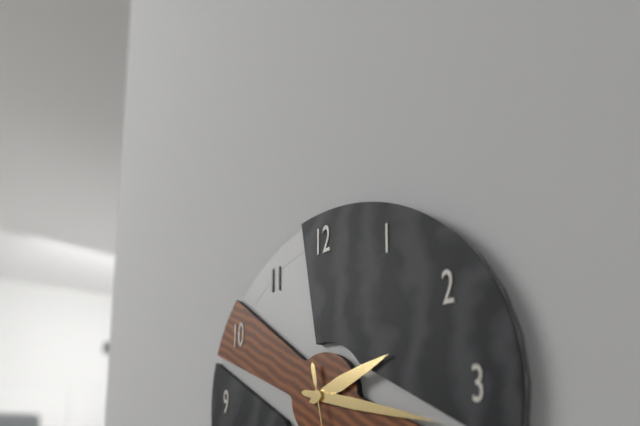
2:17
